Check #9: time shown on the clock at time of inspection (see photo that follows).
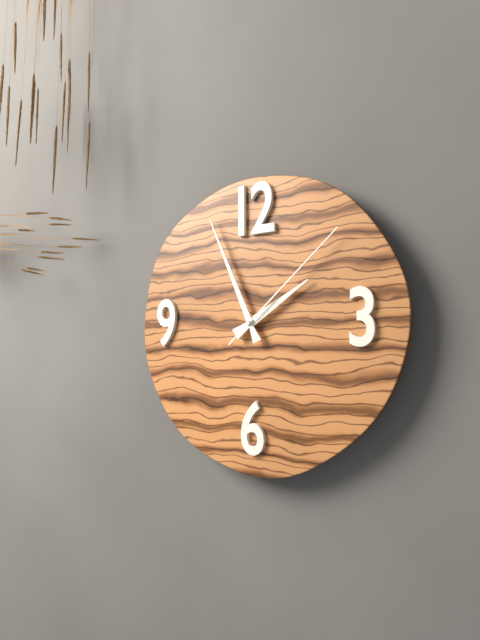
1:56:08
